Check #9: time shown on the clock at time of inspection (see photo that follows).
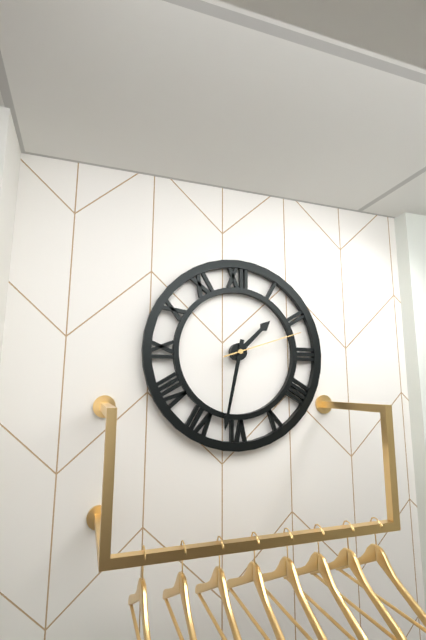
1:32:12
